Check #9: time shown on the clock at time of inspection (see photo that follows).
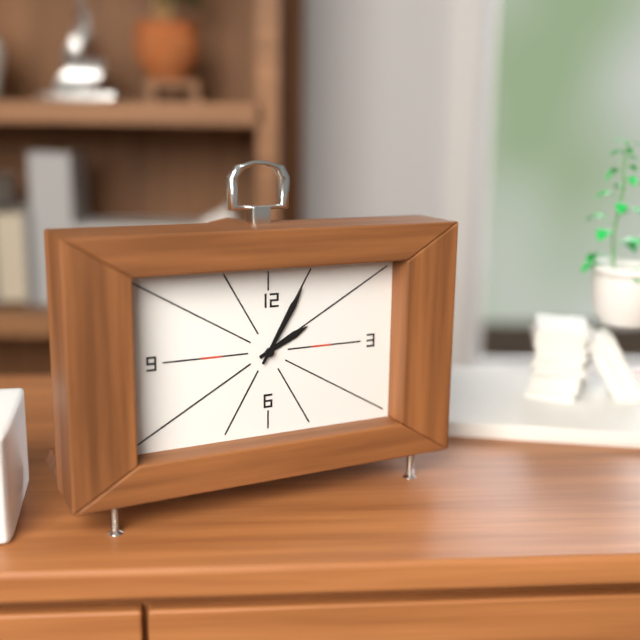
2:05
